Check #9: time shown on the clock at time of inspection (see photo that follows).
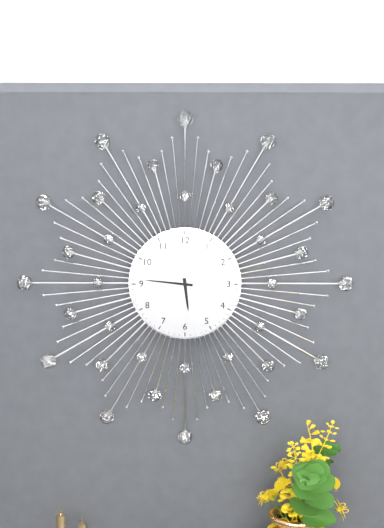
5:46
